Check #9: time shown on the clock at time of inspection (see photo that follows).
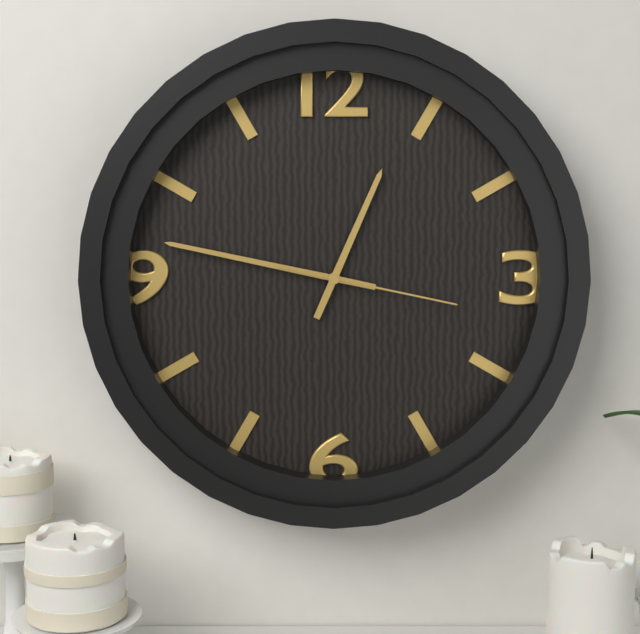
12:47:17
